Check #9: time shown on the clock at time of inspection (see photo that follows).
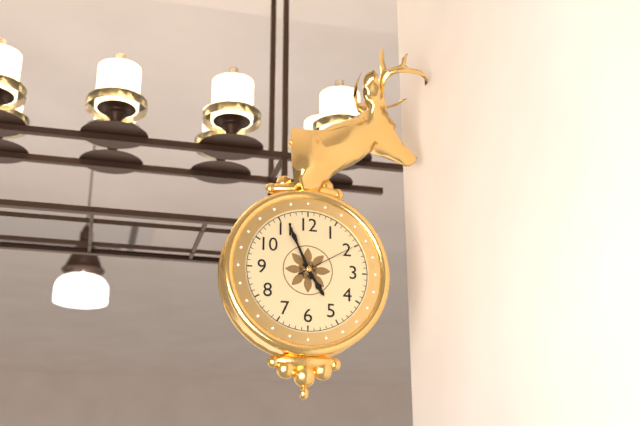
4:56:10
